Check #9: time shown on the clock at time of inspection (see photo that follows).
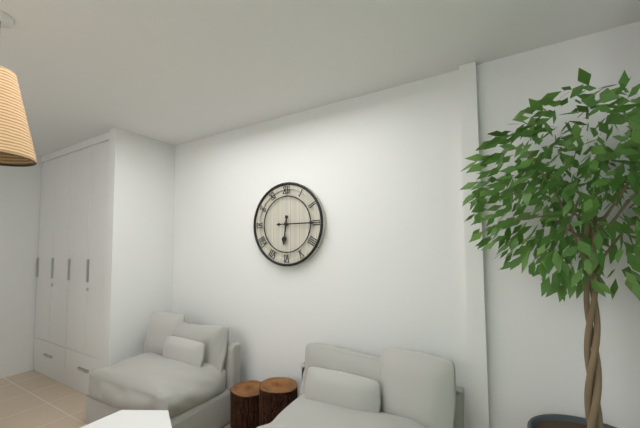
6:15
